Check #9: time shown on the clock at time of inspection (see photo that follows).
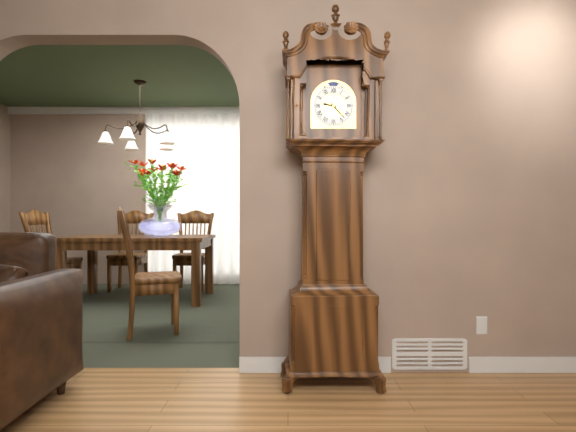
9:23
